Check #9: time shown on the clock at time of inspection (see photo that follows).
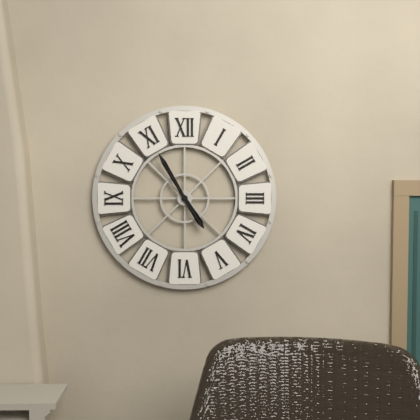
4:55
